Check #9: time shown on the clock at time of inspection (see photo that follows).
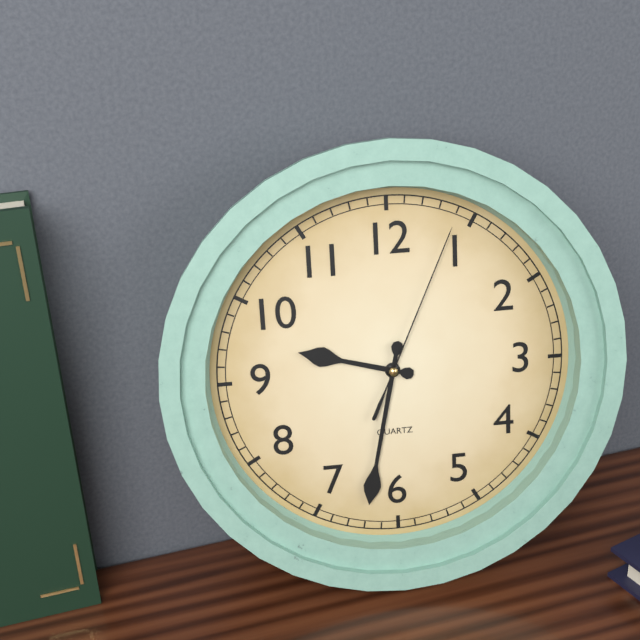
9:32:04
